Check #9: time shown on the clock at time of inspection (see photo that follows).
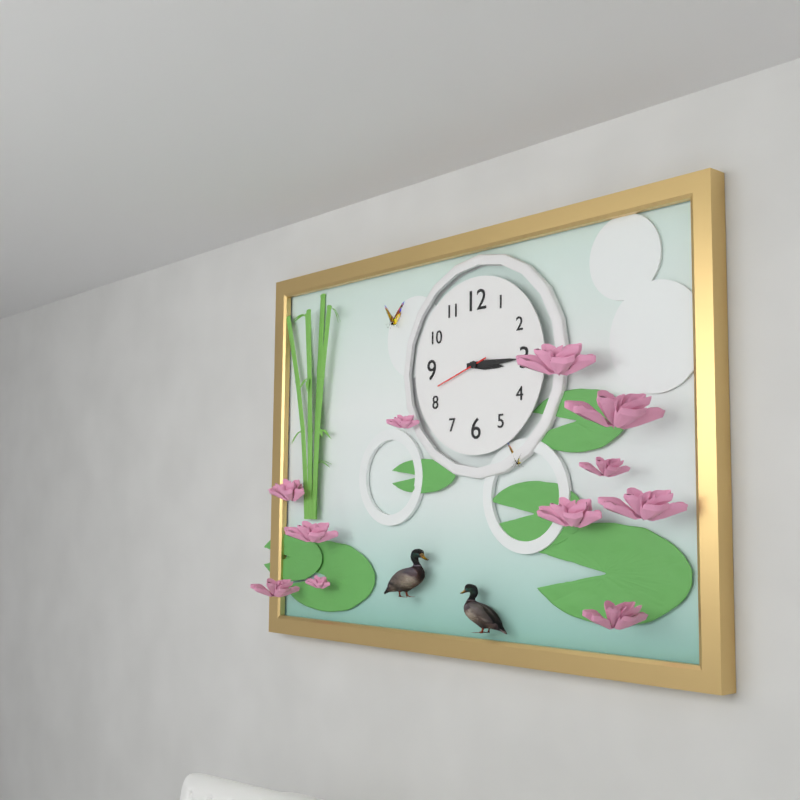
3:15:42
